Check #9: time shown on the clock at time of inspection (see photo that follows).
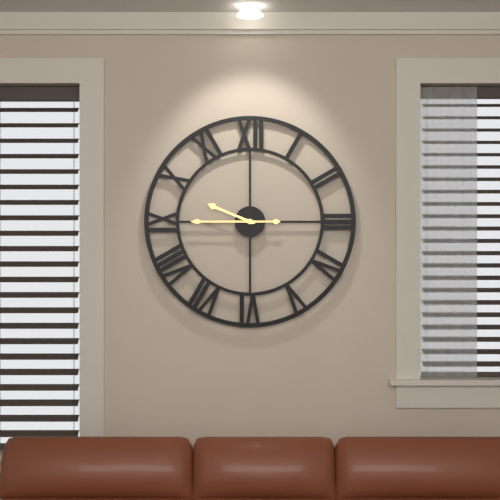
9:45
